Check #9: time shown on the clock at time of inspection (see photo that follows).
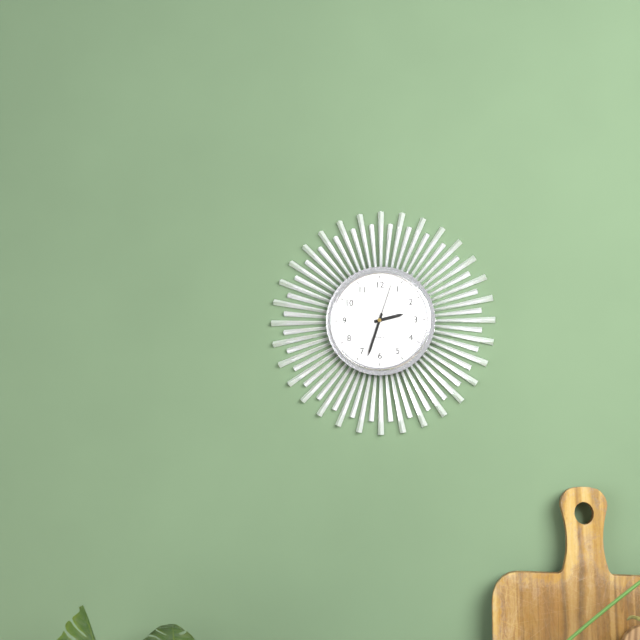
2:33:03
